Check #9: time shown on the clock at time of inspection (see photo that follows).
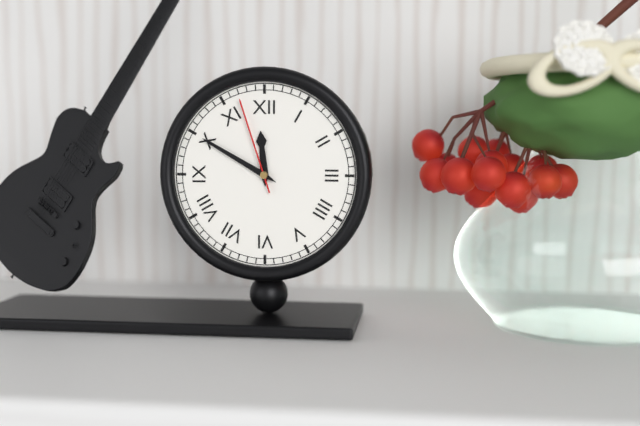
11:50:57
